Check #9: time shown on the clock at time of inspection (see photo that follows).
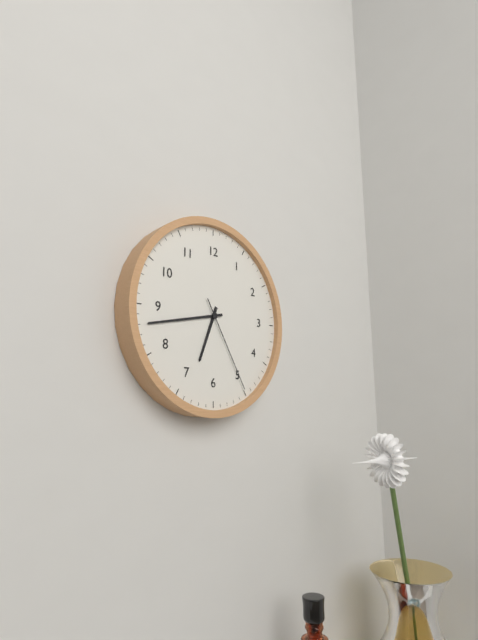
6:43:25
